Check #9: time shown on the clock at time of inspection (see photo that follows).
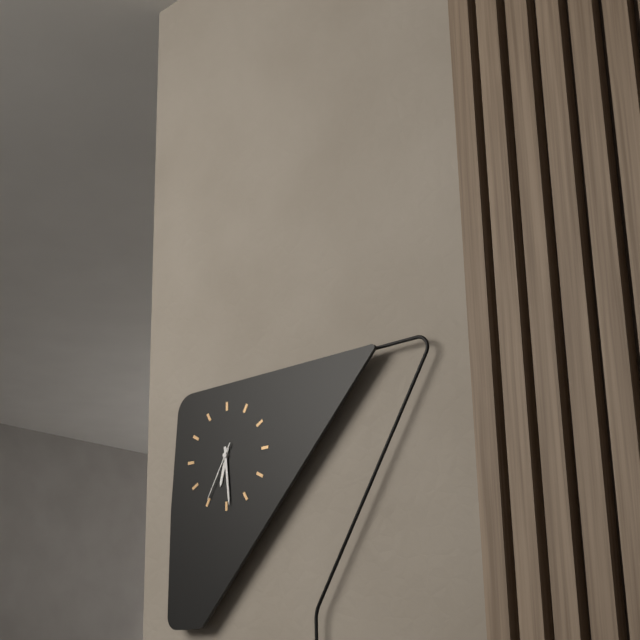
6:29:35
